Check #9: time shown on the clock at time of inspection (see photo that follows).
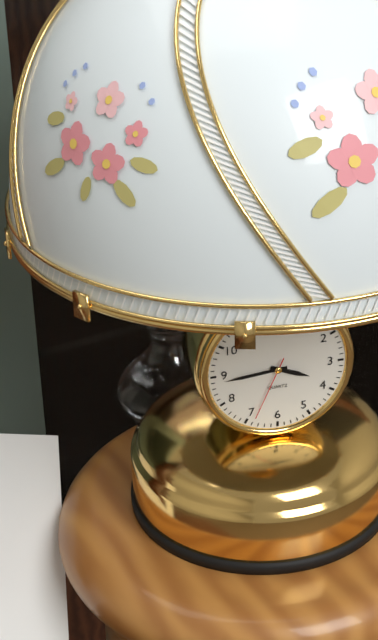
3:44:34
